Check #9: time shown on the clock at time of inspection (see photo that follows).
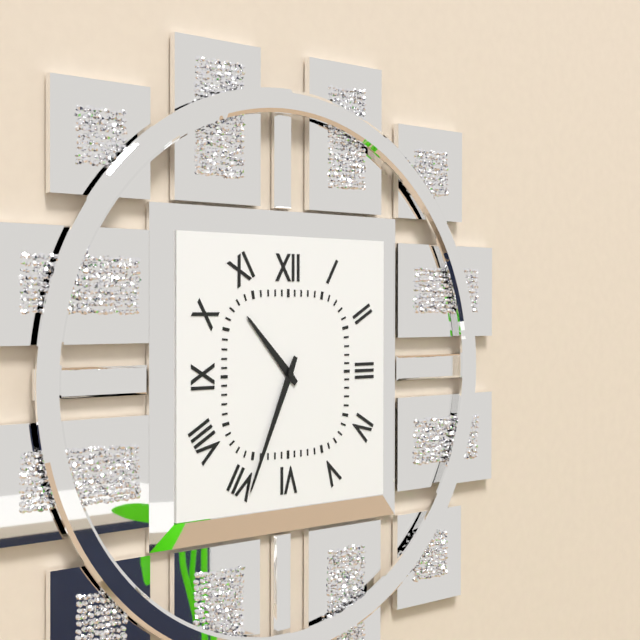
10:34
